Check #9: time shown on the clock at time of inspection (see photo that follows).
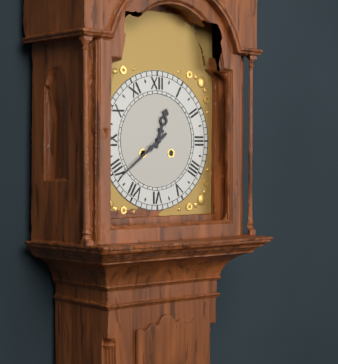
12:39
